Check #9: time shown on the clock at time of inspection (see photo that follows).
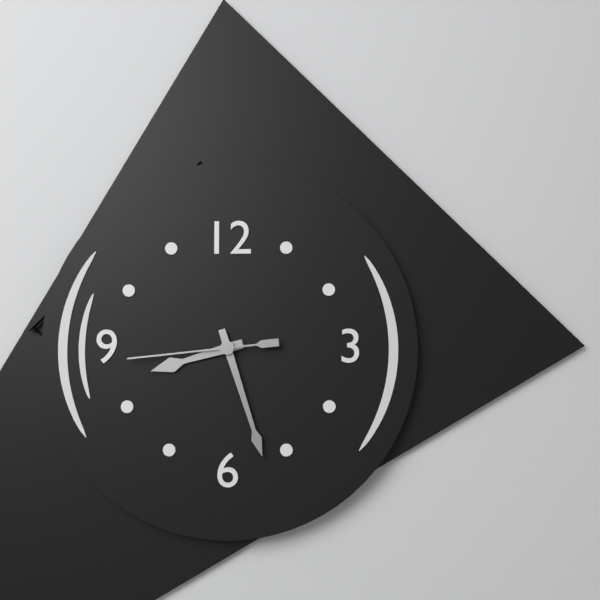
8:27:44
